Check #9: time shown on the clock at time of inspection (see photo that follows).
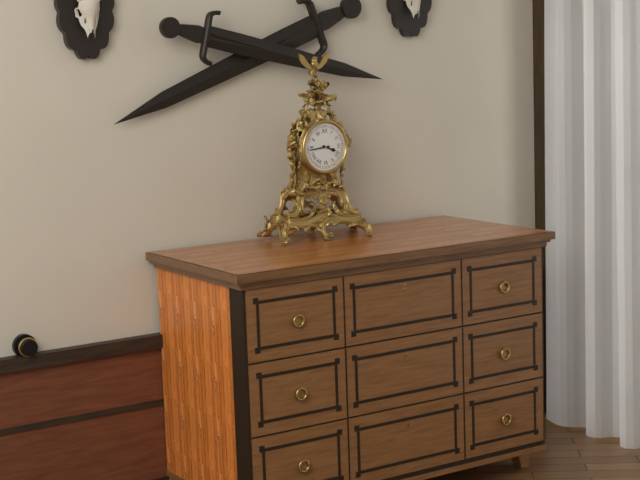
3:44
